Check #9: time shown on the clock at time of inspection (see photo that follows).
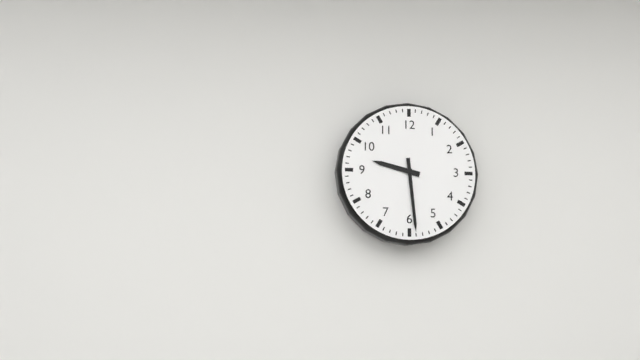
9:29
